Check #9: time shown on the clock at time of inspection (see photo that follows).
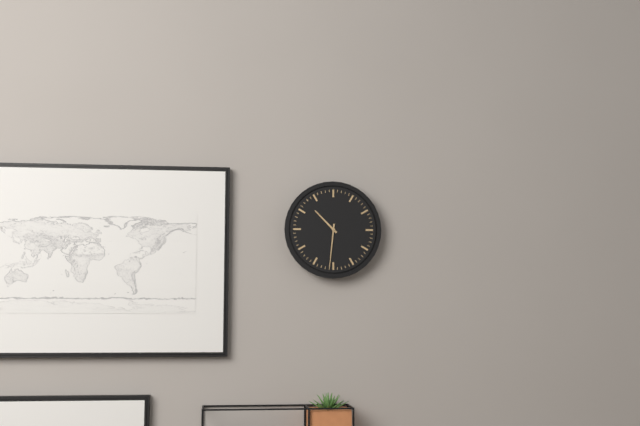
10:31
